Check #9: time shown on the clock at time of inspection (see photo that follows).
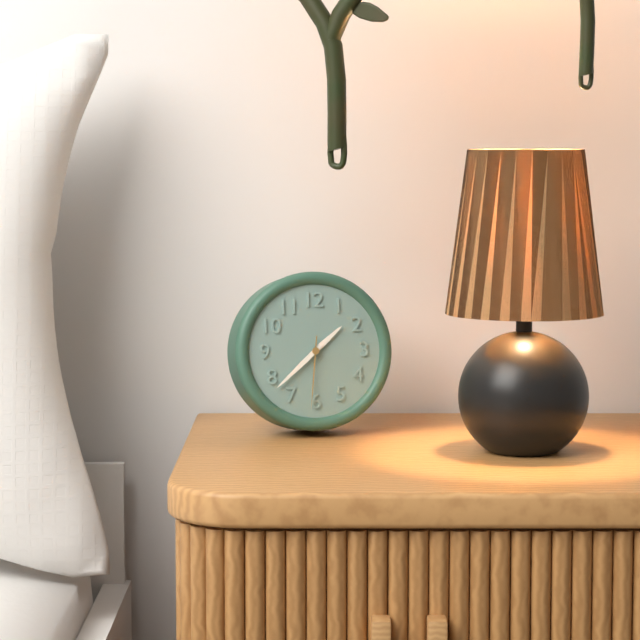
1:38:31
